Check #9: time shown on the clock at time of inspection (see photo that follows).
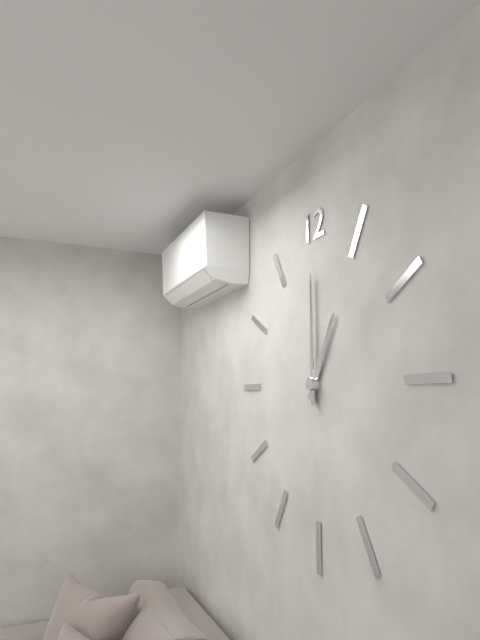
1:00
